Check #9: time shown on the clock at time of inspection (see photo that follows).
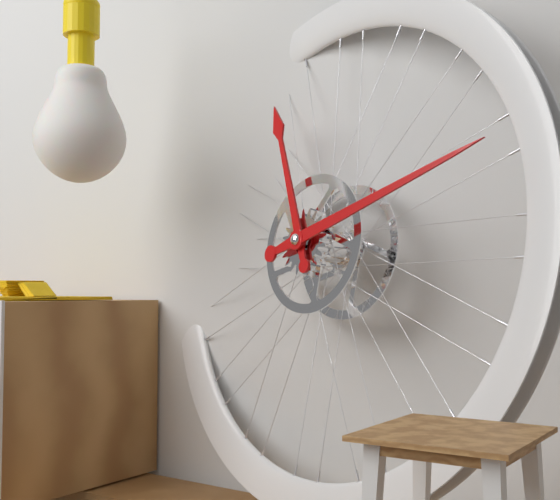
11:12
